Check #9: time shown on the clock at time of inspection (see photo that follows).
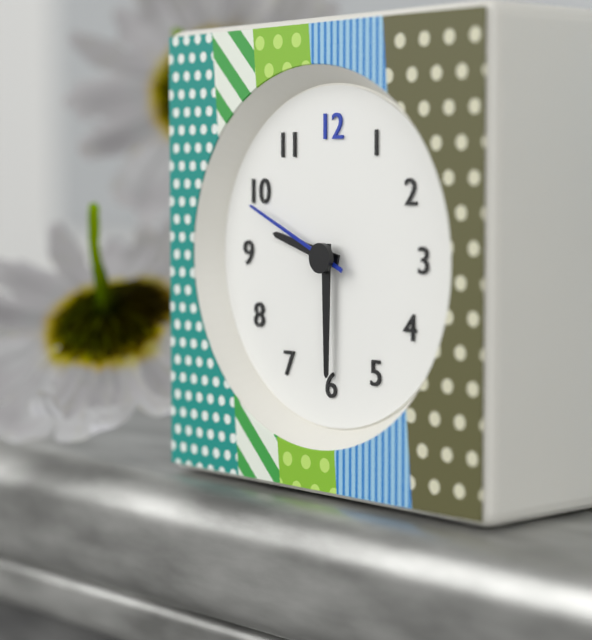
9:30:49
